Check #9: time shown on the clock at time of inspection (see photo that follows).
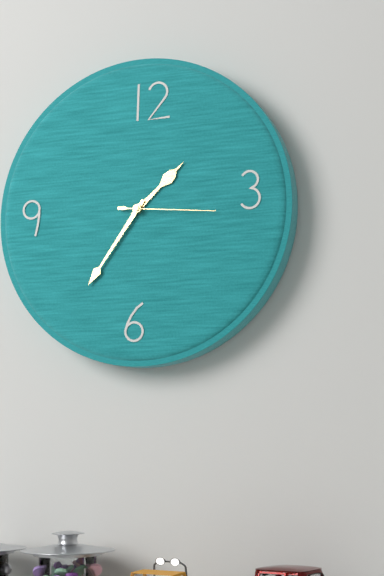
1:36:16
